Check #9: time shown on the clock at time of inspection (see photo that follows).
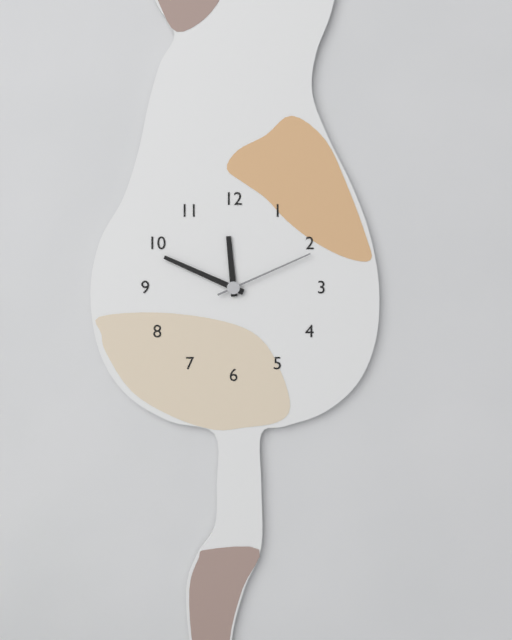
11:49:11
